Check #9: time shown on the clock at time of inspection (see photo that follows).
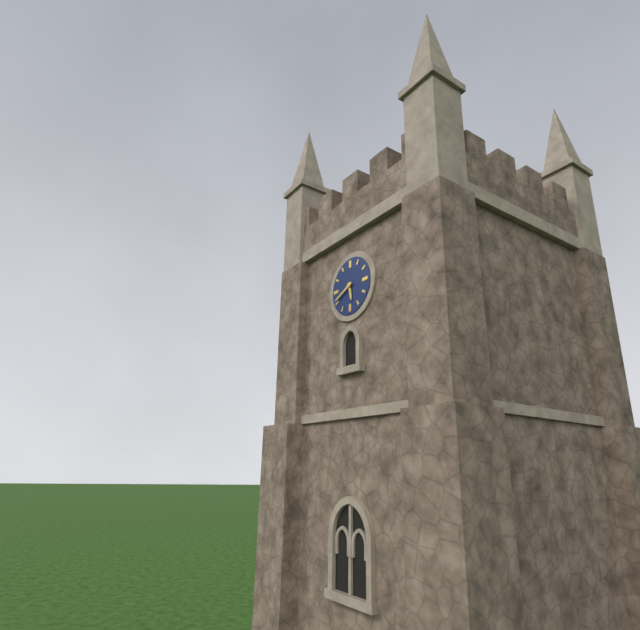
5:41
